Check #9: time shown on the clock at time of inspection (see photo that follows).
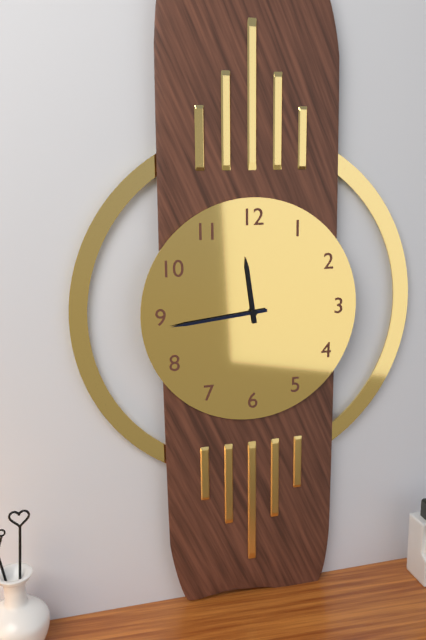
11:44
